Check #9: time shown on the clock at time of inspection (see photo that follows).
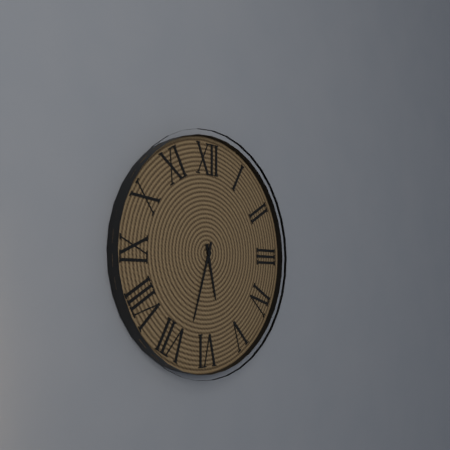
5:33
